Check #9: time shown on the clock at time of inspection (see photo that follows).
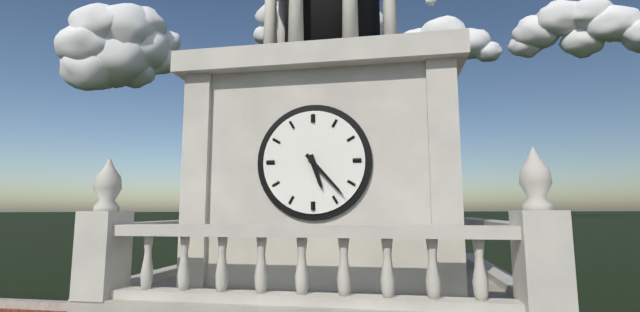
5:23
